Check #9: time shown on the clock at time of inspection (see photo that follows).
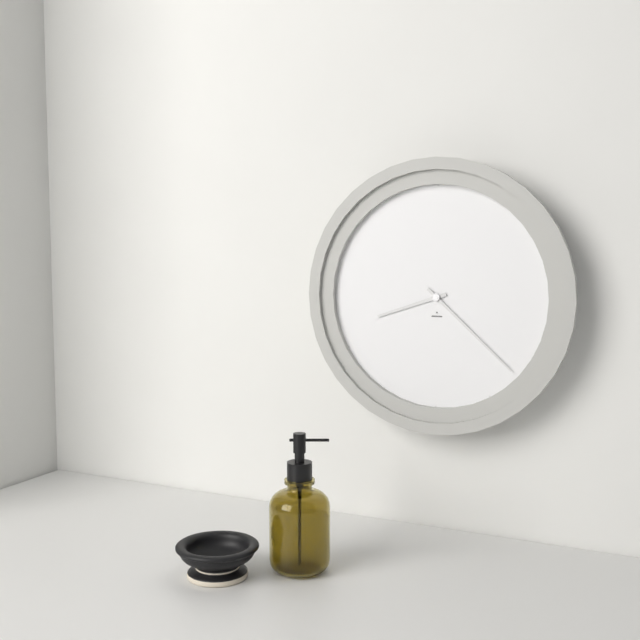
8:22
